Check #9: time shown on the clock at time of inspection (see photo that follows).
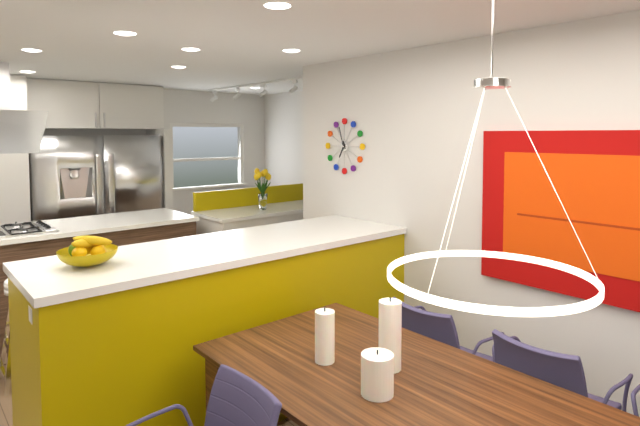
6:57
